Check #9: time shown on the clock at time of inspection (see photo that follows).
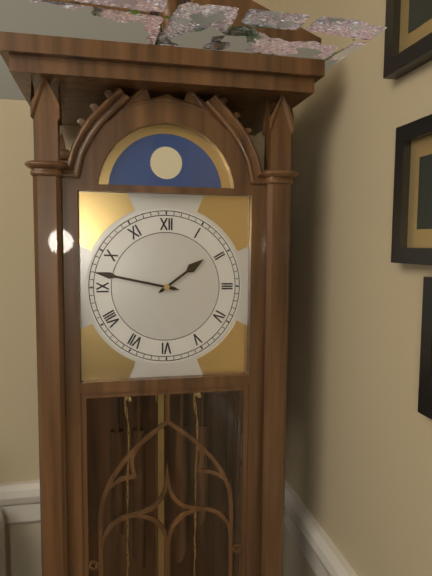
1:47
